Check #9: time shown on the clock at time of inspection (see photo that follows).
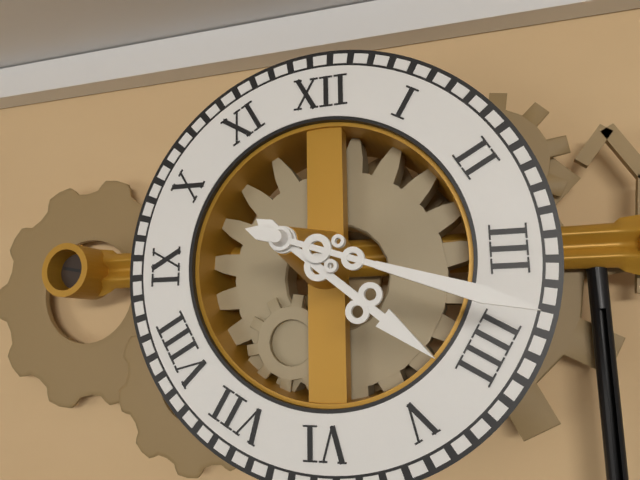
4:18
